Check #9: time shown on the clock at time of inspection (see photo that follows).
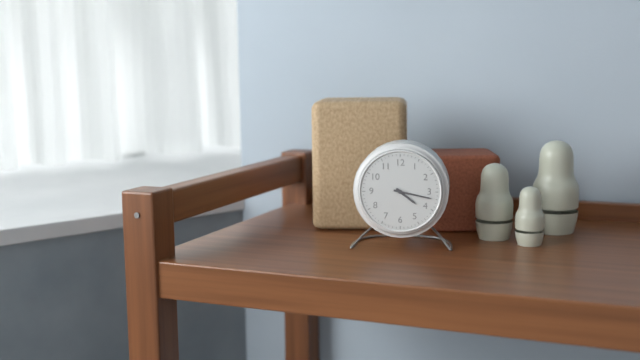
4:17
